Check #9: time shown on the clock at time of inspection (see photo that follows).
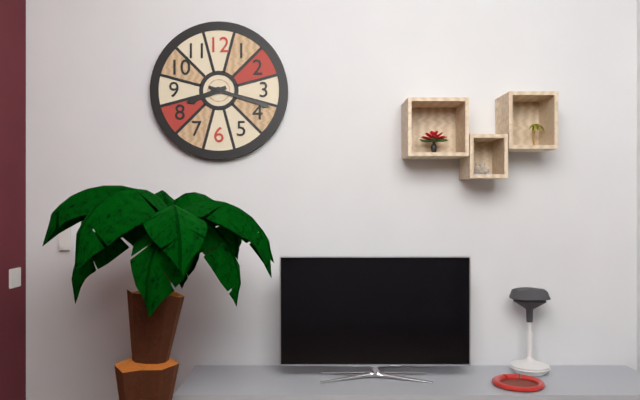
8:18
